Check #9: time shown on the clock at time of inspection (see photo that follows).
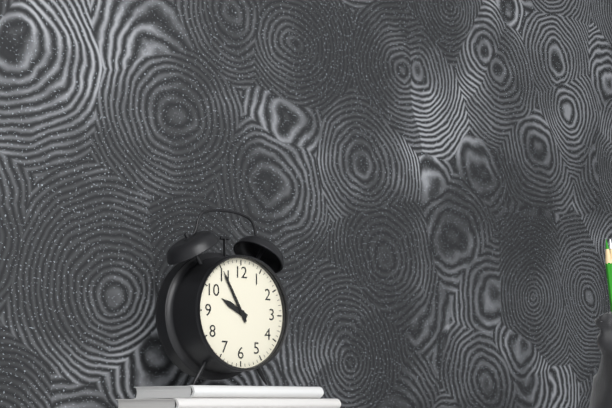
9:55
